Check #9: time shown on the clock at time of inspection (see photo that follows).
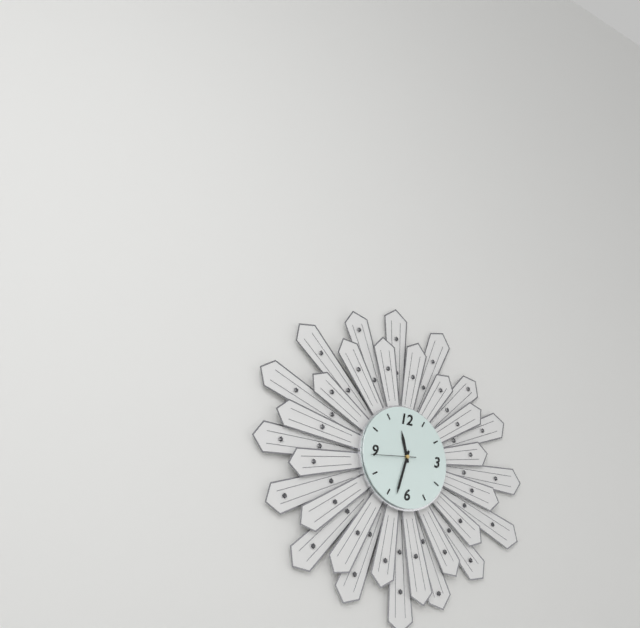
11:33
